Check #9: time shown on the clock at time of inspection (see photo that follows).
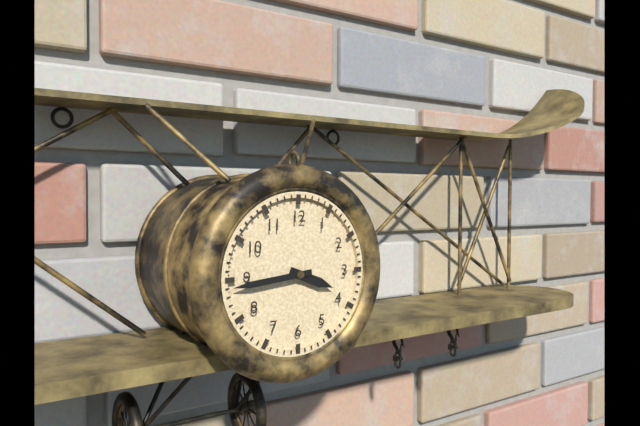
3:44
